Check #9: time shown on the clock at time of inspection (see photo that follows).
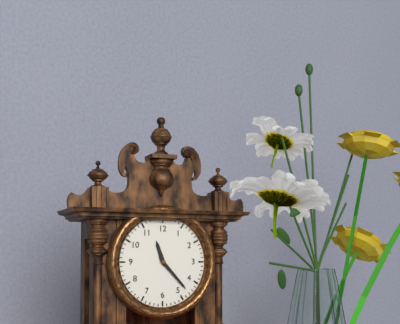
11:23
